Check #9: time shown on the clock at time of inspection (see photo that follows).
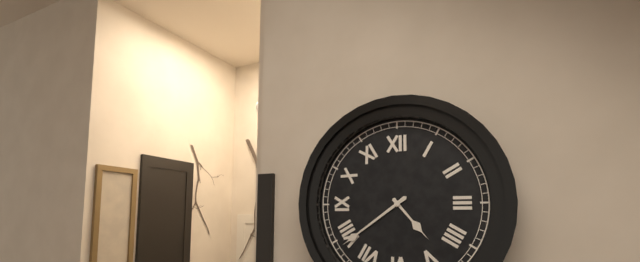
4:39
